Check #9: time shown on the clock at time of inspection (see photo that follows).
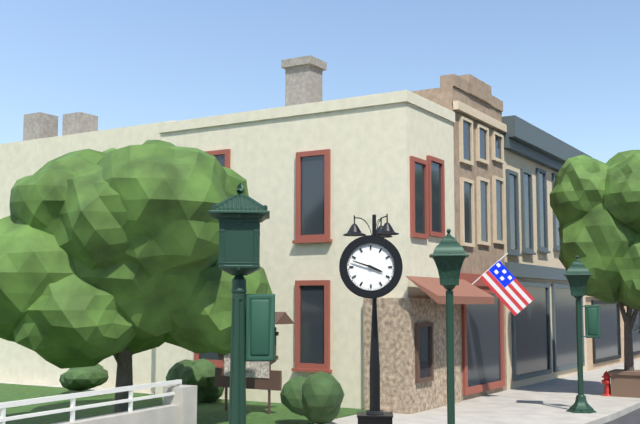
3:48
